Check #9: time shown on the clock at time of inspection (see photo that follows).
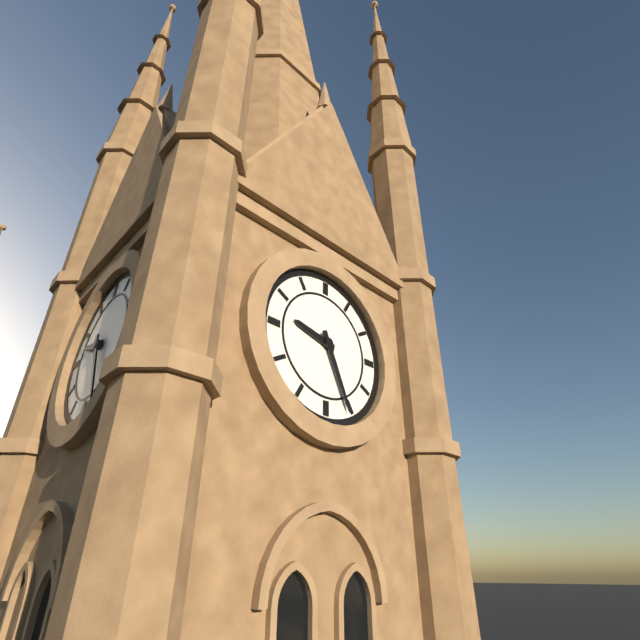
9:26
